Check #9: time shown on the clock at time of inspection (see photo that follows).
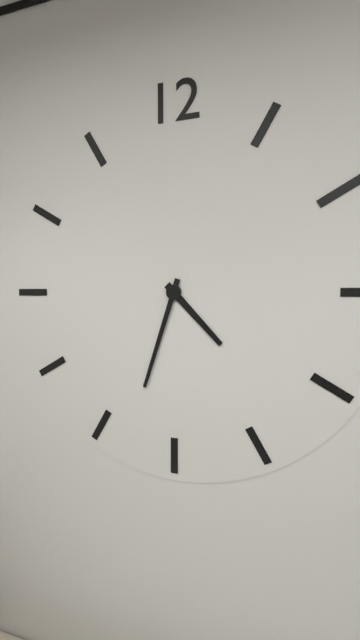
4:33
